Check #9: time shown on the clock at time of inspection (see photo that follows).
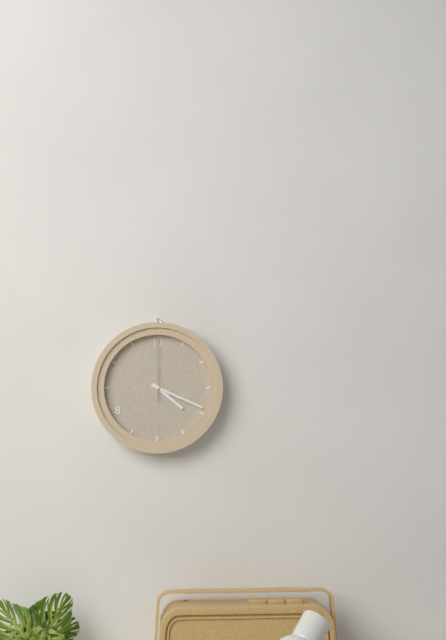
4:19:00
